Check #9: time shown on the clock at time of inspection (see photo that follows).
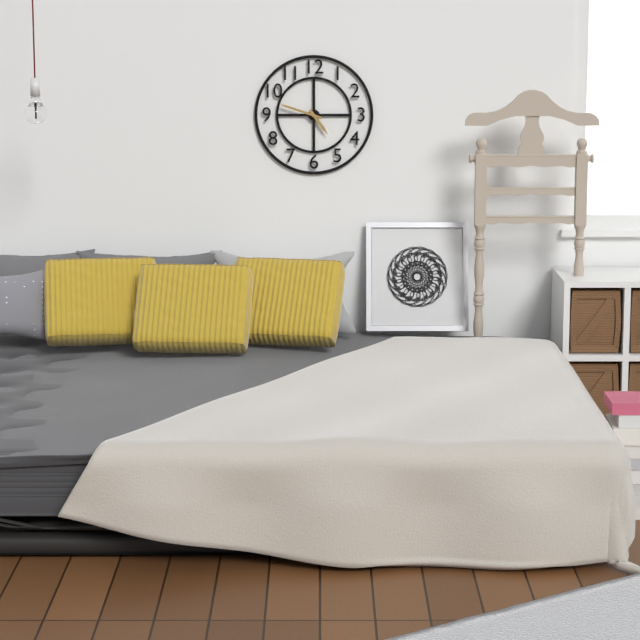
4:48
